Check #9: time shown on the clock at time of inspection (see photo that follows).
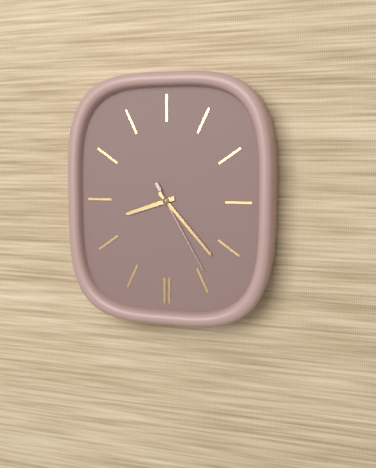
8:23:25
